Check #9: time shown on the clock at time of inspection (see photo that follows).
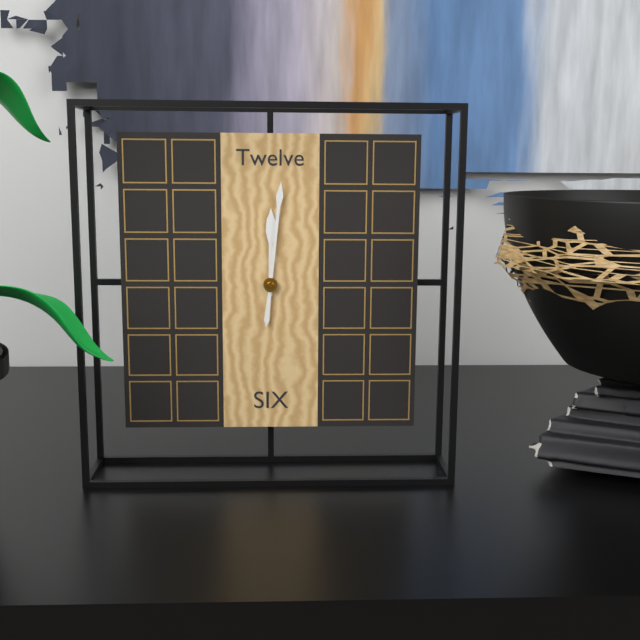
12:01
